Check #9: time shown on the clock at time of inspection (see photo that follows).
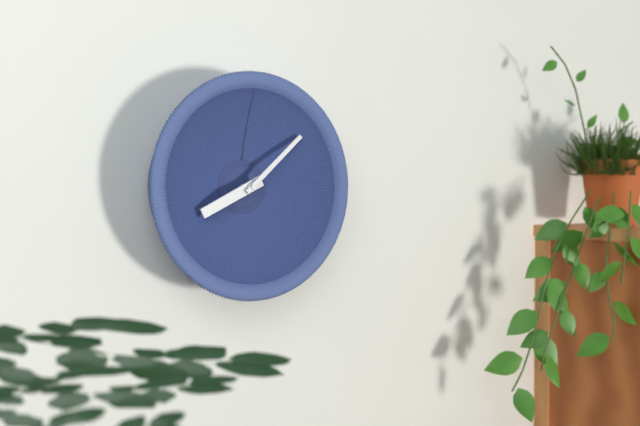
8:08
